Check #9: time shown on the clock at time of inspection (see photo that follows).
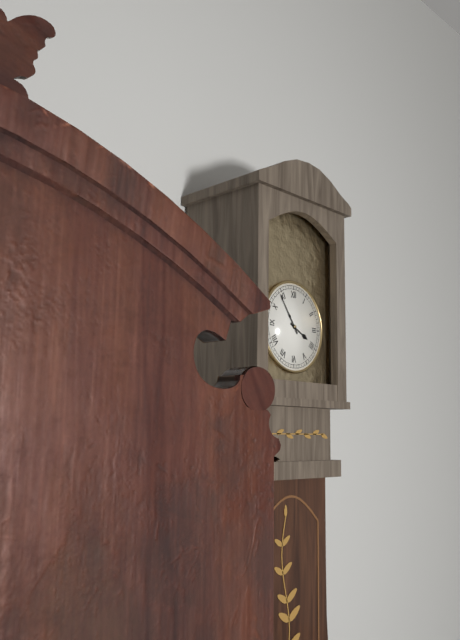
3:54
